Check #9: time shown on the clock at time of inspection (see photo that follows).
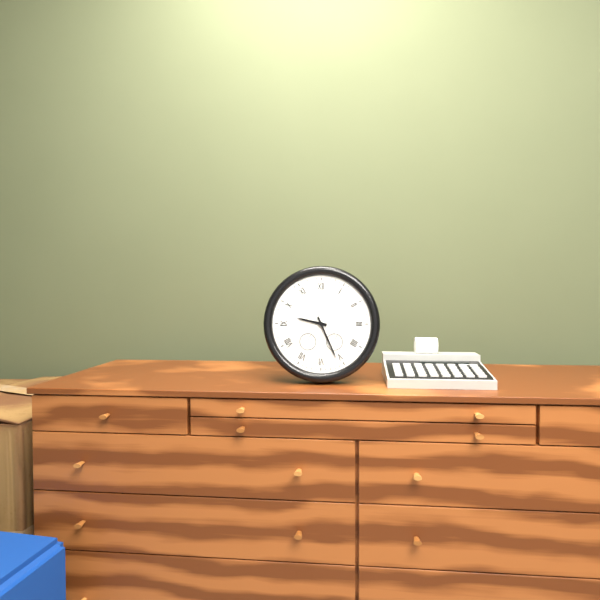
9:26
